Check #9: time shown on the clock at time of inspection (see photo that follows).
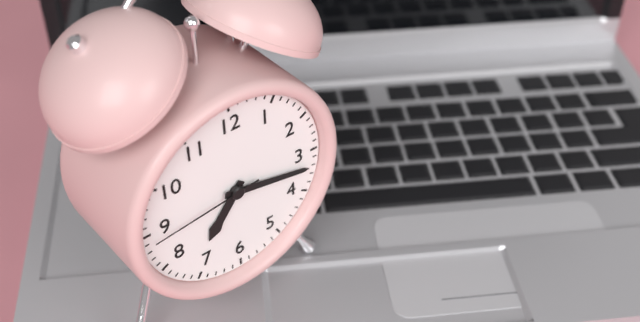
7:17:44
